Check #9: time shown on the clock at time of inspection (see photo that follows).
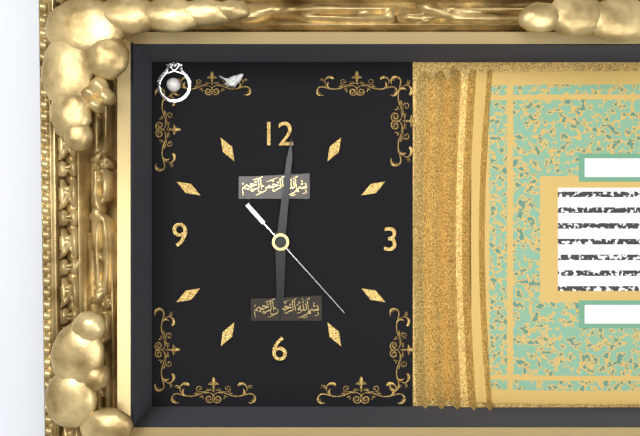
6:01:23
